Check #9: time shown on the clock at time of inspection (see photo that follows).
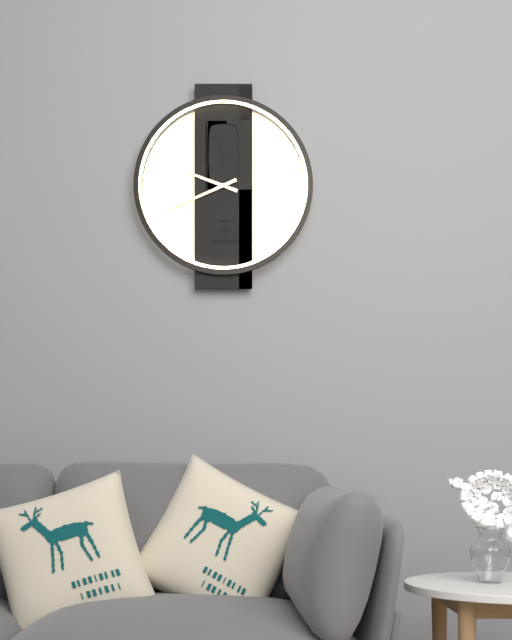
9:41
